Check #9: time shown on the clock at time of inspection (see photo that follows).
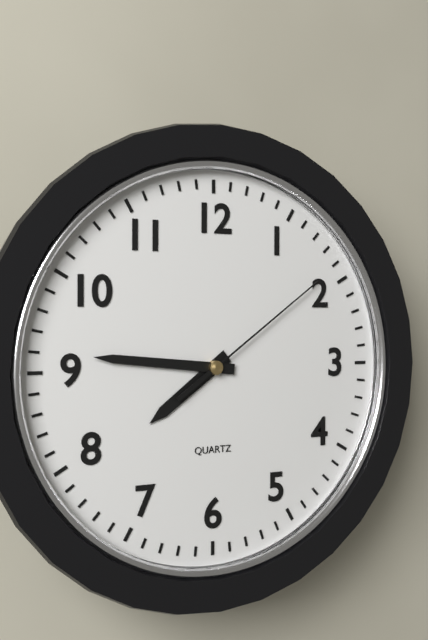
7:46:09
